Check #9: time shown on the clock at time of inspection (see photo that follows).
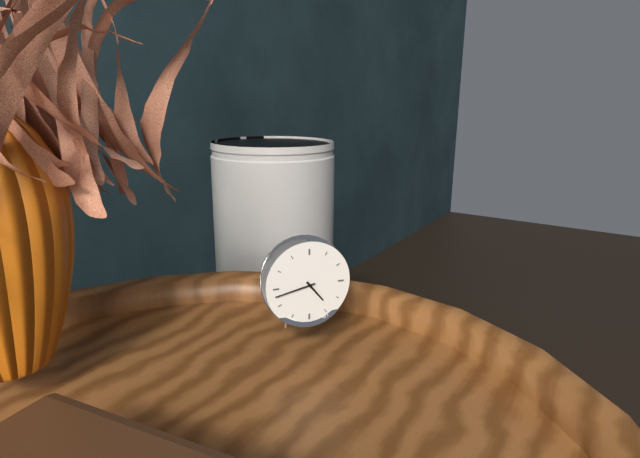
4:43
